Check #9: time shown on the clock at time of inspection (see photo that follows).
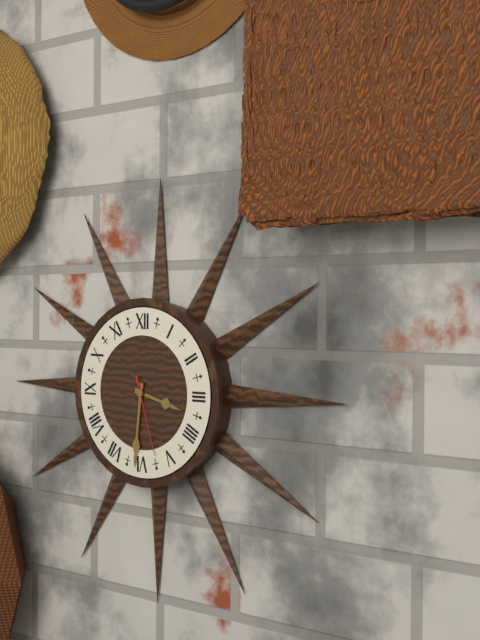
3:31:27
